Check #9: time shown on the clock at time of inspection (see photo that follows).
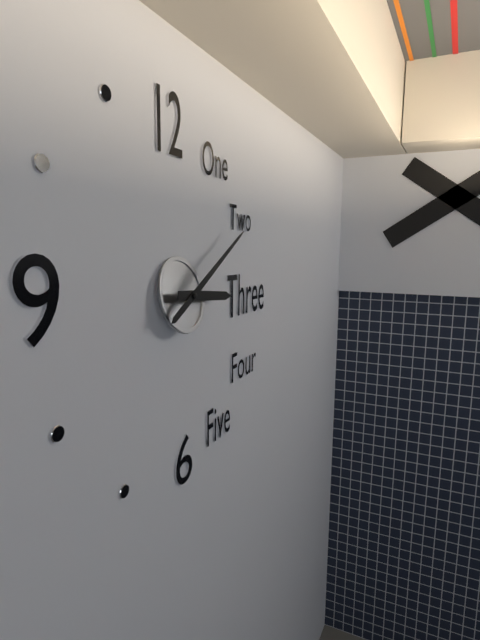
3:10
